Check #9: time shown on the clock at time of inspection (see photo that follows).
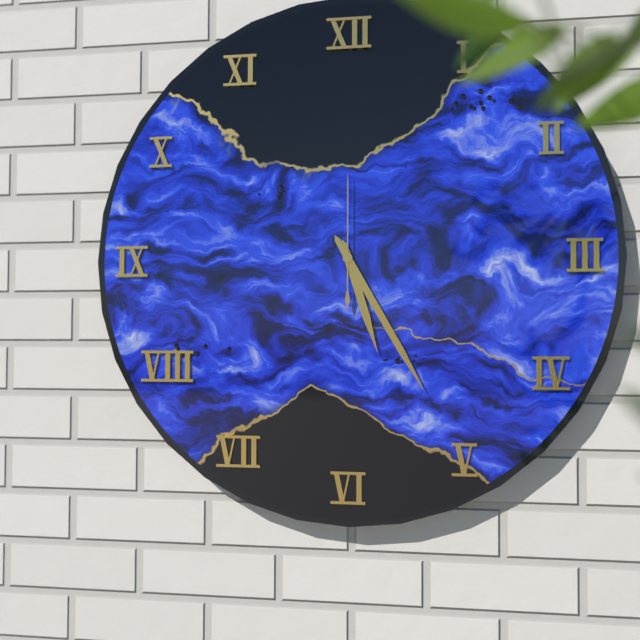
5:25:00
